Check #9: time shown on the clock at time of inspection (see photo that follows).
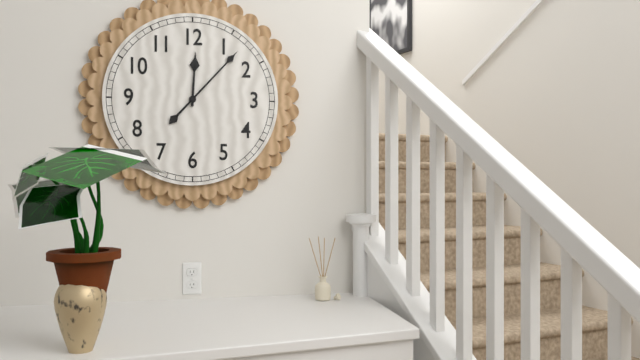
12:07
